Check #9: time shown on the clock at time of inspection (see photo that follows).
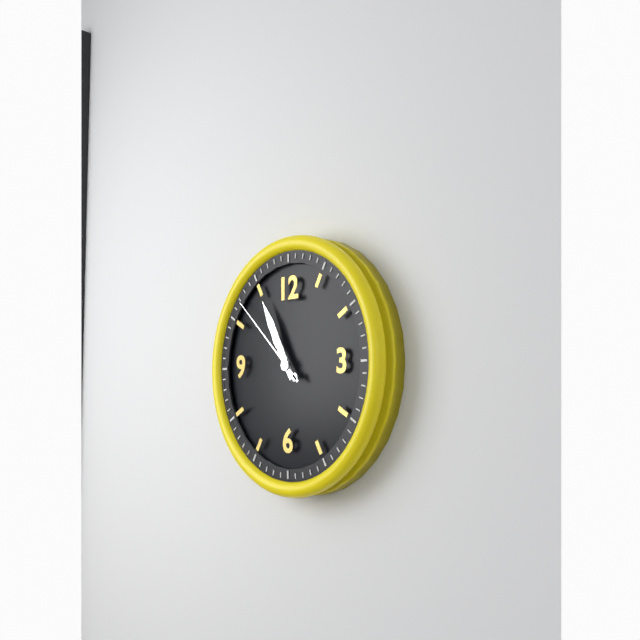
10:55:52
